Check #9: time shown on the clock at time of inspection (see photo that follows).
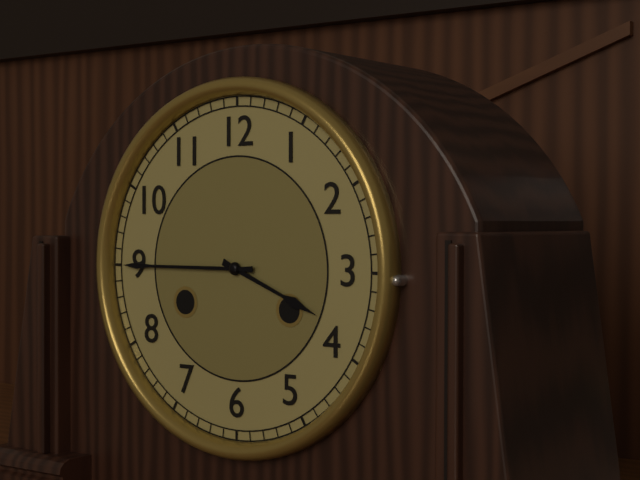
3:45
